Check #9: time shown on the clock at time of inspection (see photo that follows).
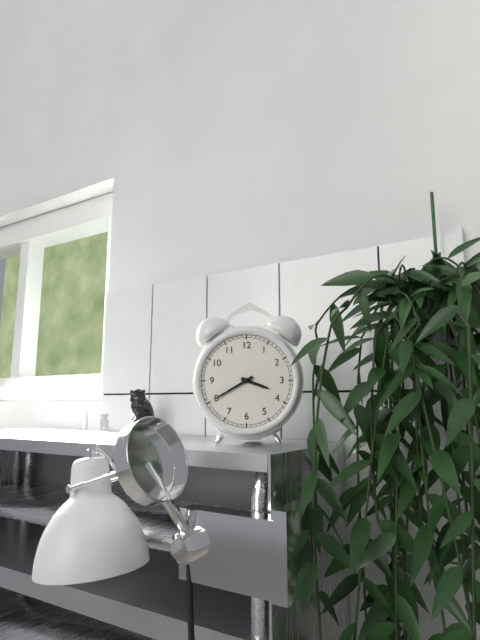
3:40
